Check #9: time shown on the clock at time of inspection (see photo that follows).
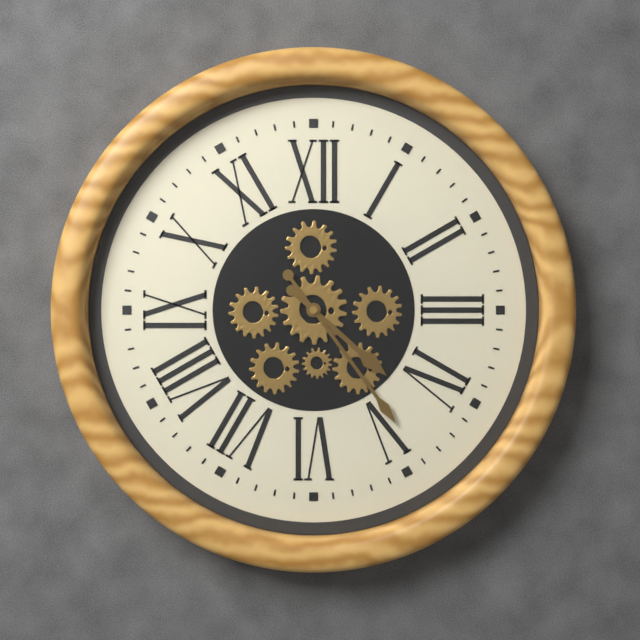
4:24
